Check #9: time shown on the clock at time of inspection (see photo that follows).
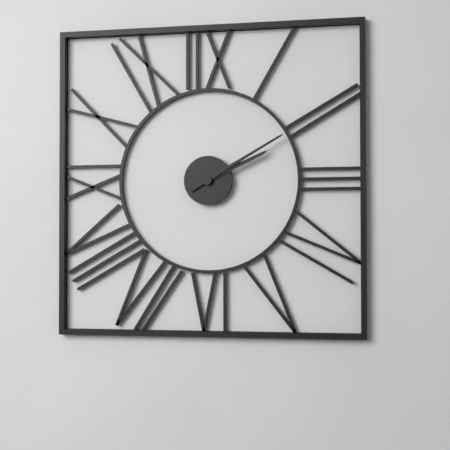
2:10
